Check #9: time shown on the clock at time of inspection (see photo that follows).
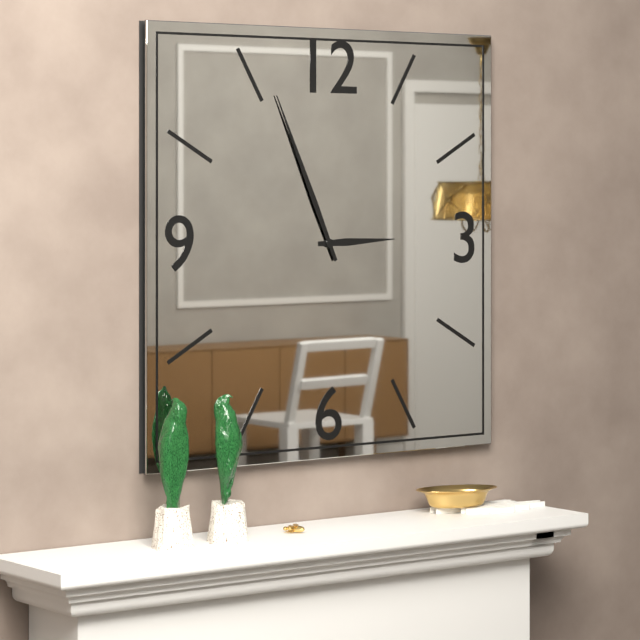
2:56
